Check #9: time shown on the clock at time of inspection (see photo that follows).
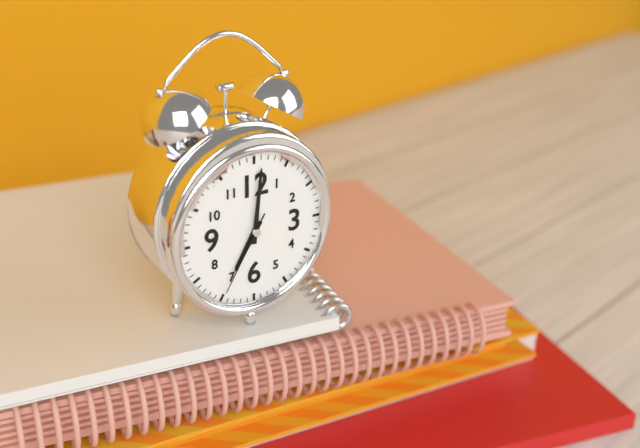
7:01:35
